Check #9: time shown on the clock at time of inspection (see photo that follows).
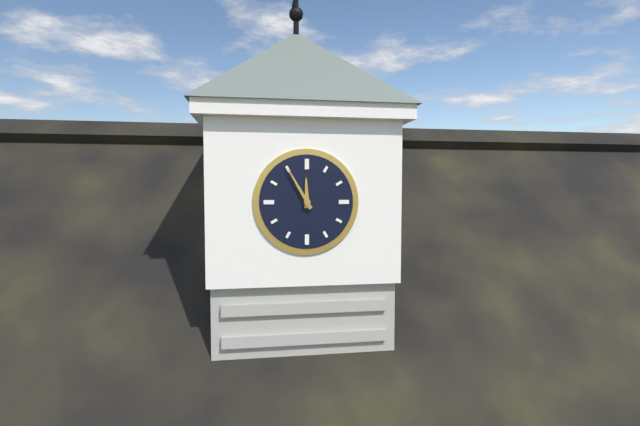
11:55
